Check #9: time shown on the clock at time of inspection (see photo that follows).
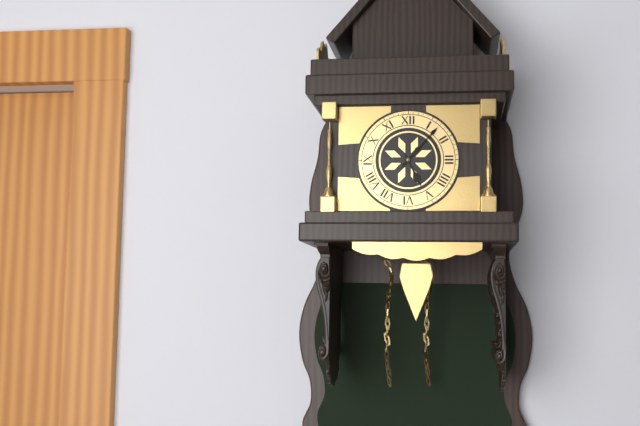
5:07
